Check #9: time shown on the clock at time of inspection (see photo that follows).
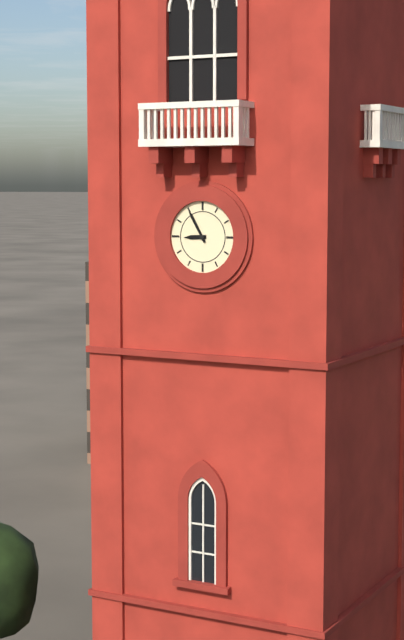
8:55
